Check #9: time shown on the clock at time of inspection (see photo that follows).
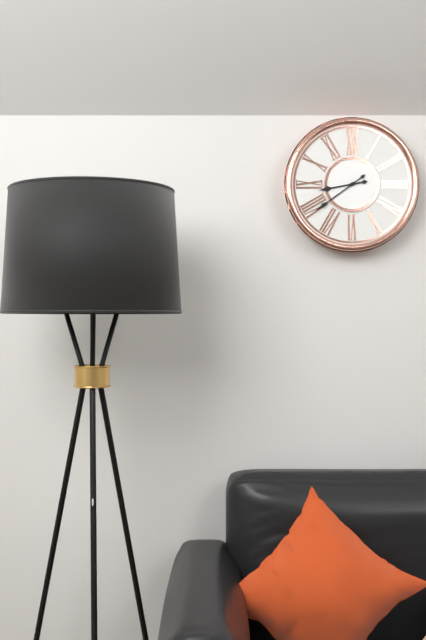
8:39
